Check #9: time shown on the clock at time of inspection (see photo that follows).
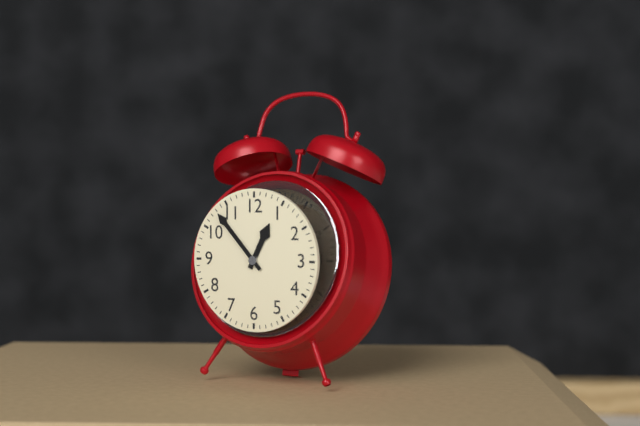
12:53
